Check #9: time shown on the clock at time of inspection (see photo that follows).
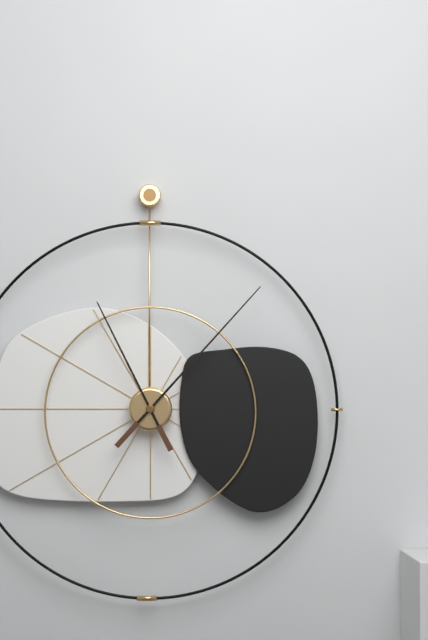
11:07
